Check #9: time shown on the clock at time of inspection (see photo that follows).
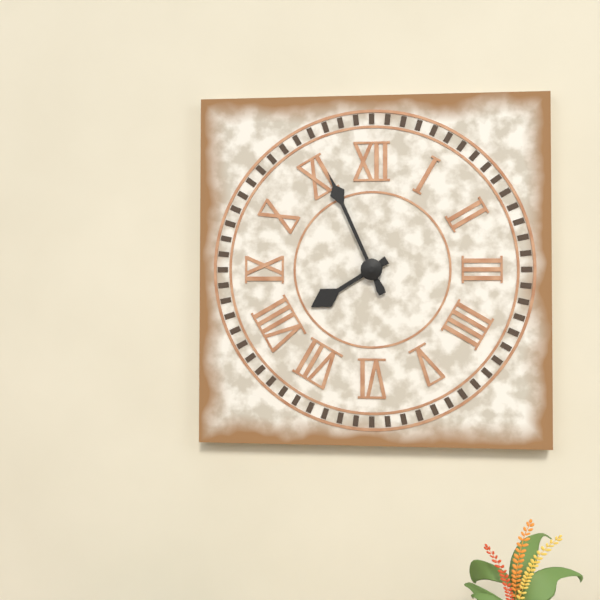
7:56
